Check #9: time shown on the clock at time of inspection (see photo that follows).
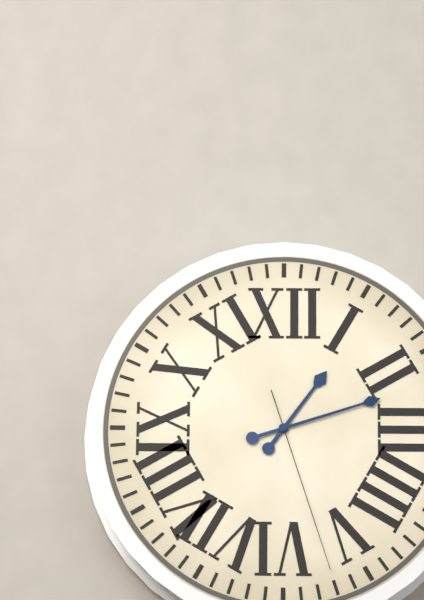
1:12:27
